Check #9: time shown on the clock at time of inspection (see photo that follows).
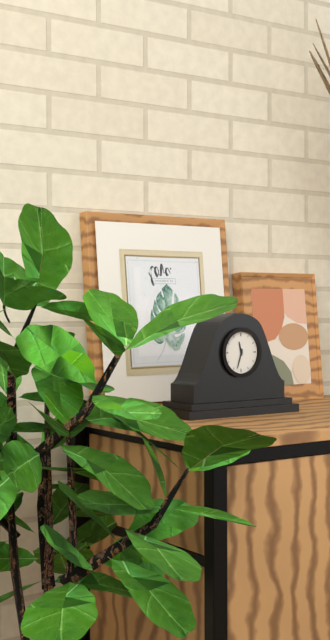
11:33
